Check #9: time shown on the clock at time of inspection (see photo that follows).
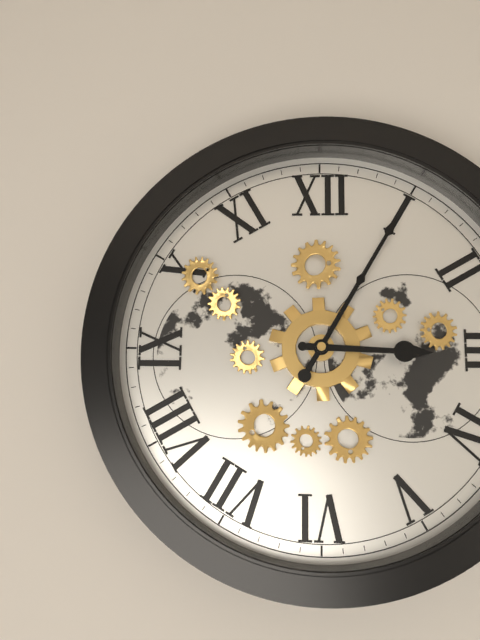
3:05
